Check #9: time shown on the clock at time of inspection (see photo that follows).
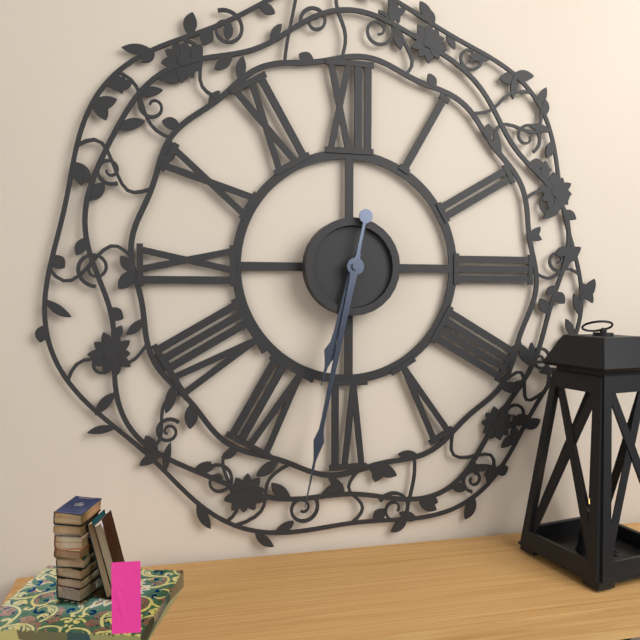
6:32
